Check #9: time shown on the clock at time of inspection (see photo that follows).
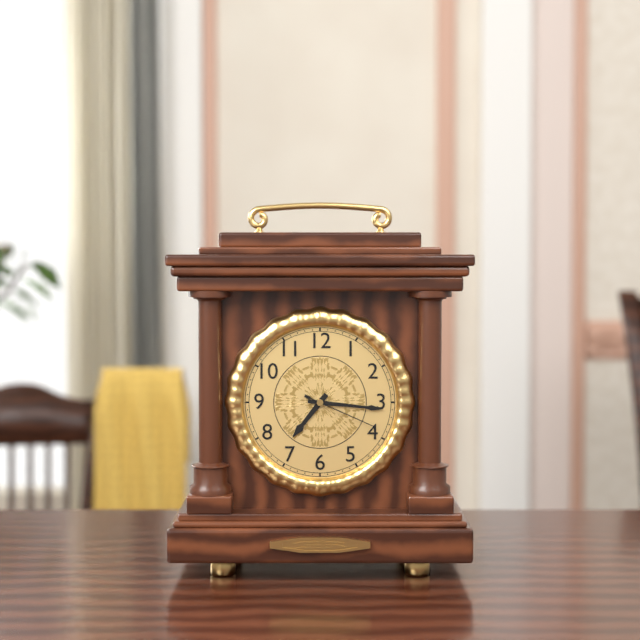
7:16:19
